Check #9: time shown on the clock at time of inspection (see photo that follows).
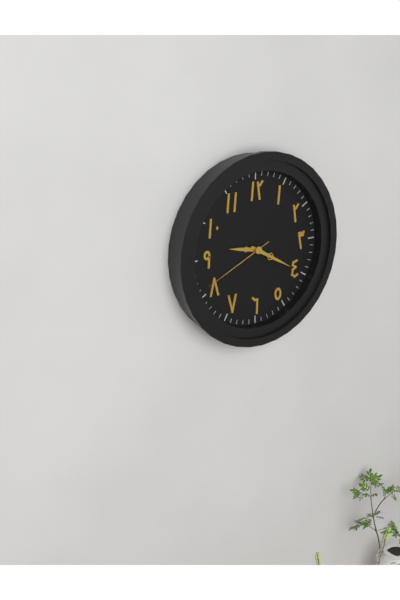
9:20:41
